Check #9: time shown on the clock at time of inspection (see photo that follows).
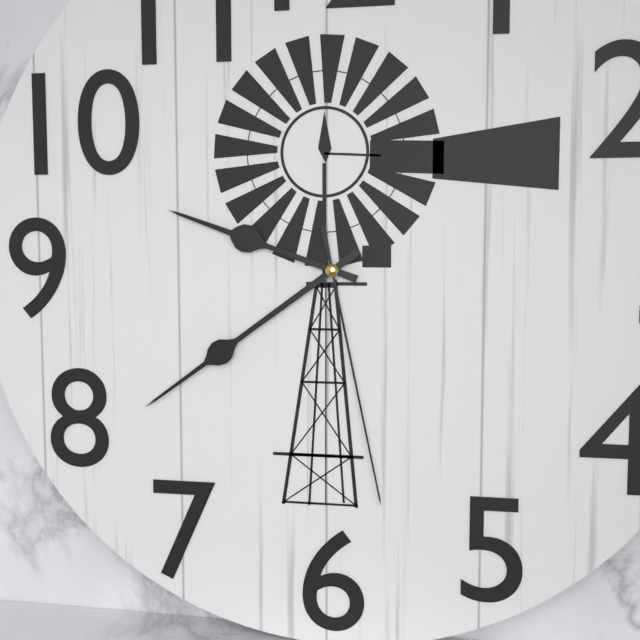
9:39:28
